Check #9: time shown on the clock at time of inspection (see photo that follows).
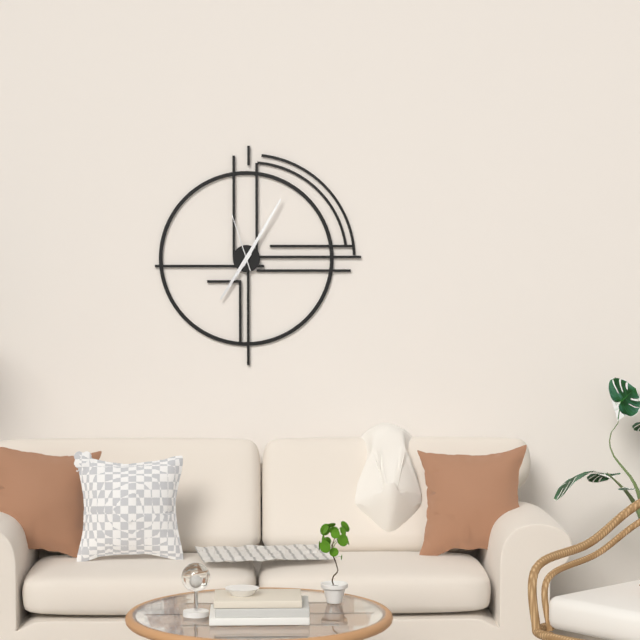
7:05:57
